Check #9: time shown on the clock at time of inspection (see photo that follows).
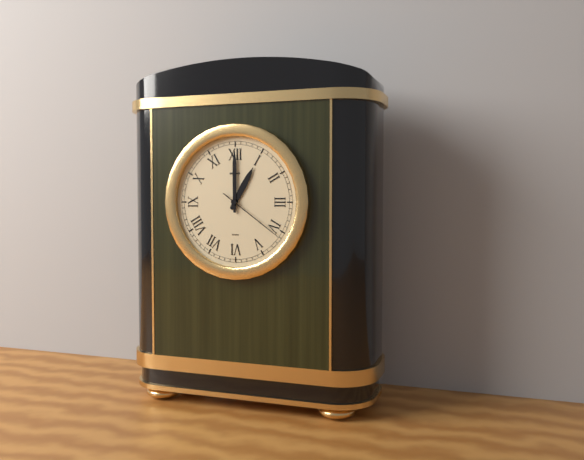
1:00:21
